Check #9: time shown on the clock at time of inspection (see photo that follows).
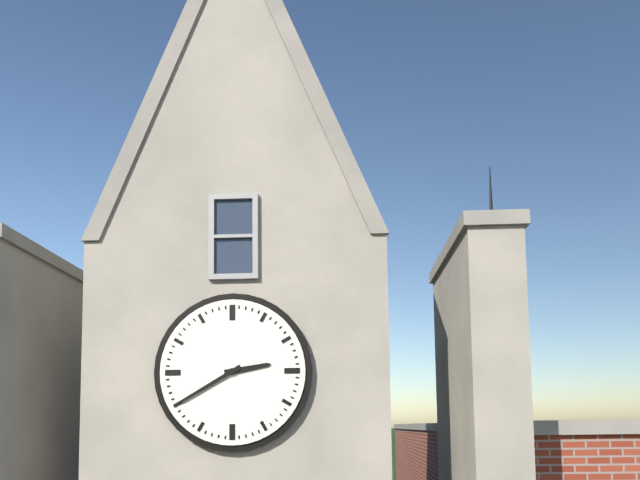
2:40
